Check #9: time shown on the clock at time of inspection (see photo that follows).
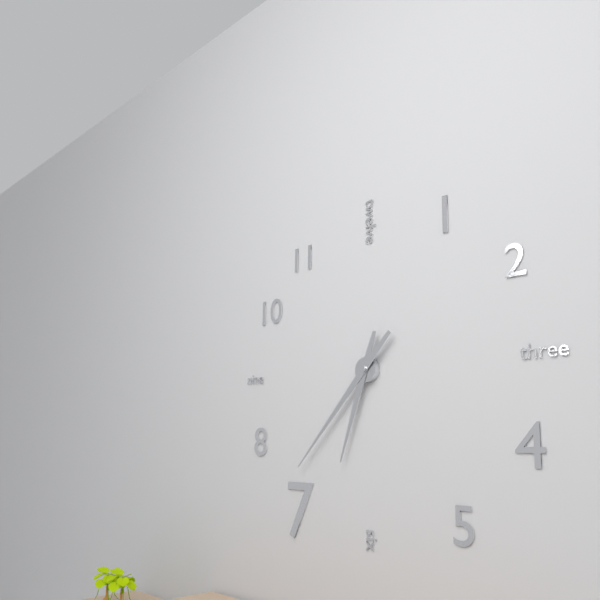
6:37
